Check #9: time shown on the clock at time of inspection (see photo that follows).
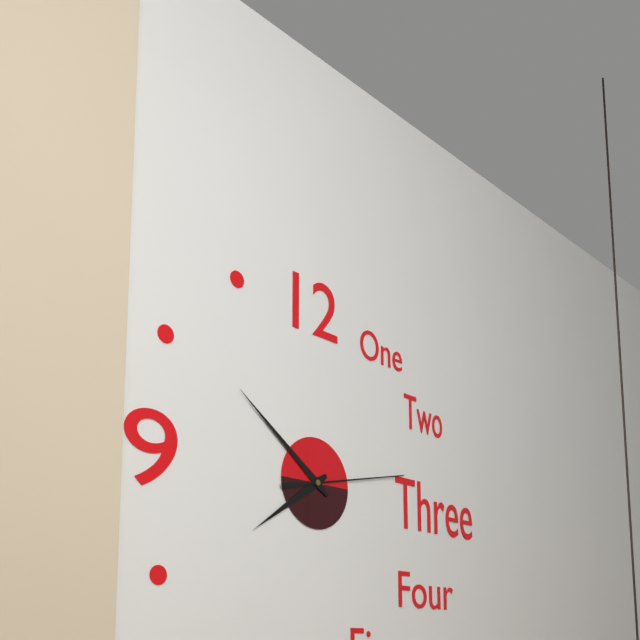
7:51:13
